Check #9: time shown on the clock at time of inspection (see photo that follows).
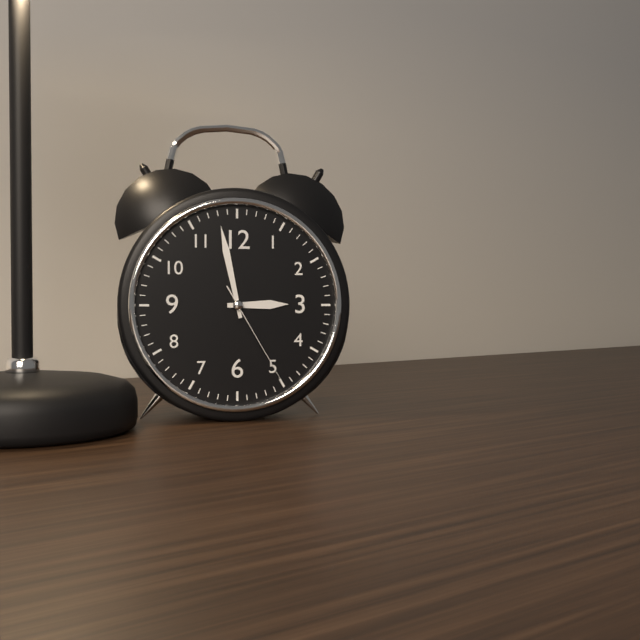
2:58:25
